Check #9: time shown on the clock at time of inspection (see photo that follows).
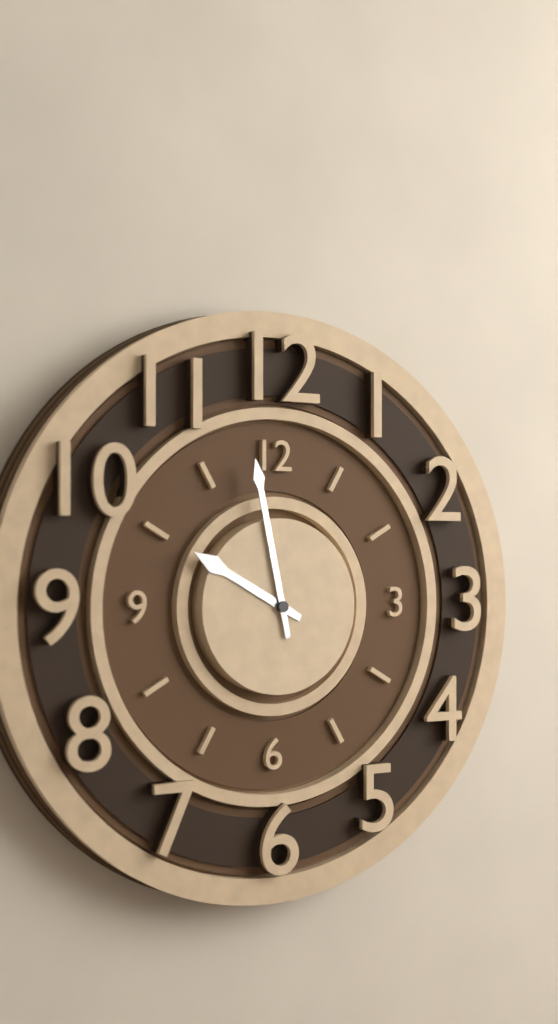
9:58
